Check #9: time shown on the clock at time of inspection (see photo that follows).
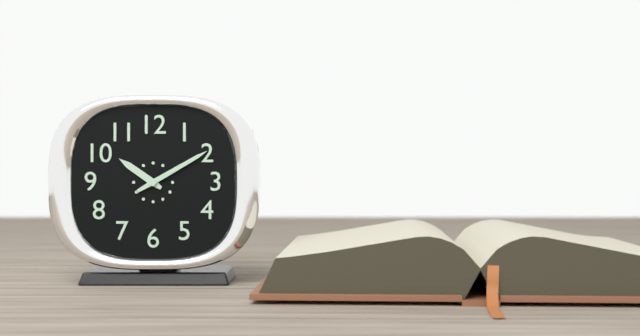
10:10
